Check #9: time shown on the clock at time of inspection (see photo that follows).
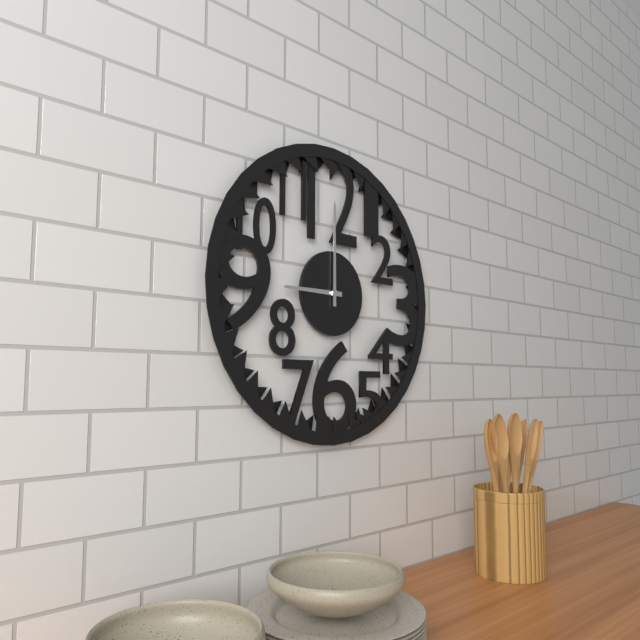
9:00
